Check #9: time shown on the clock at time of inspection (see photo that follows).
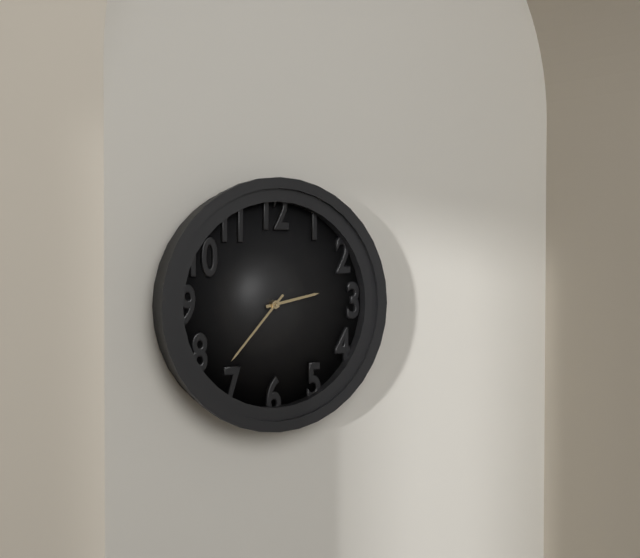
2:37
